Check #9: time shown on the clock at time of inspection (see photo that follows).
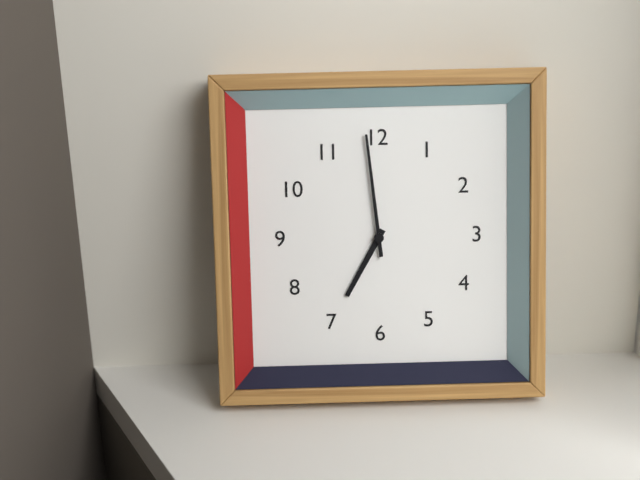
6:59
